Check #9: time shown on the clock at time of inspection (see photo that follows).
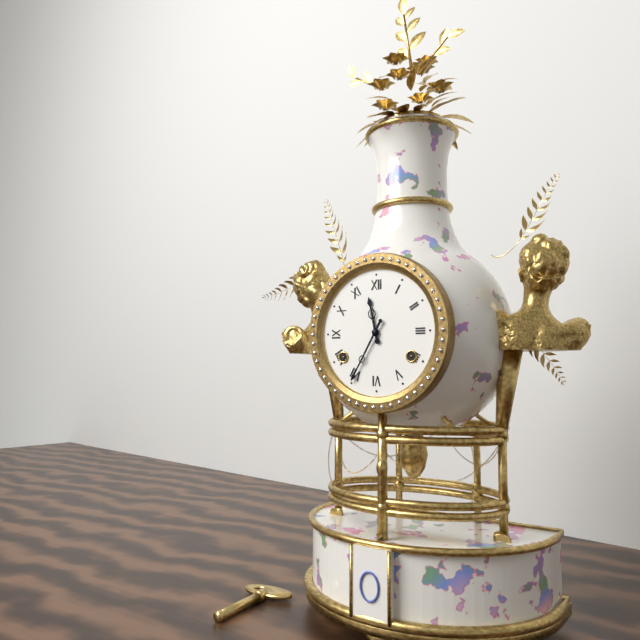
11:35
